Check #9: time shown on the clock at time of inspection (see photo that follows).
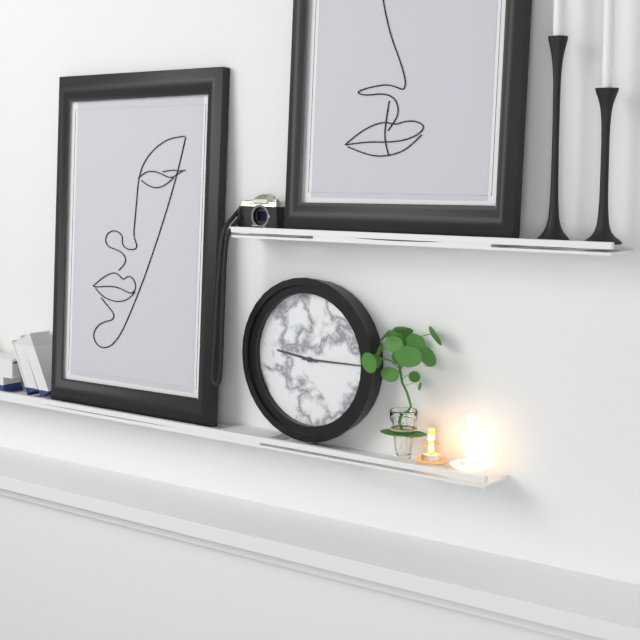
9:15
